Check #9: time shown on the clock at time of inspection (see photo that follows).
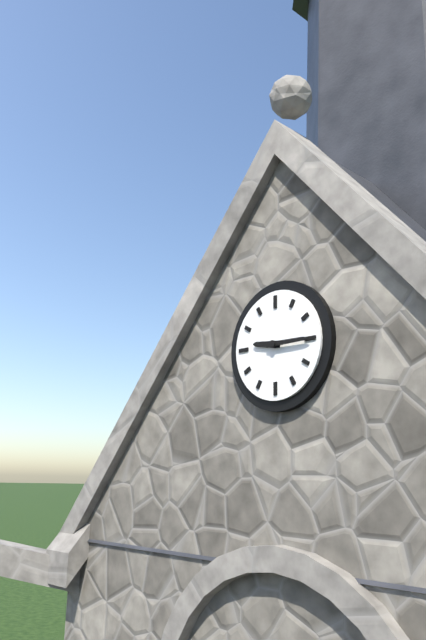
9:15
